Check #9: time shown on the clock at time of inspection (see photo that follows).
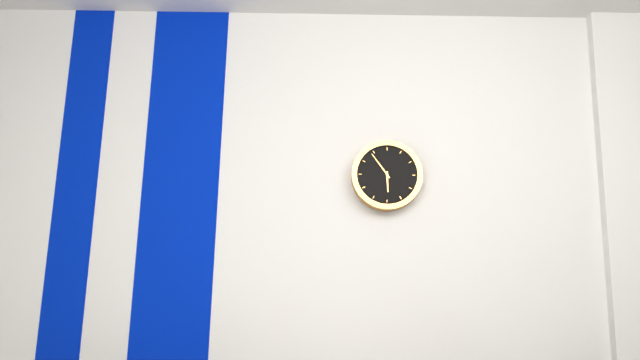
5:54
